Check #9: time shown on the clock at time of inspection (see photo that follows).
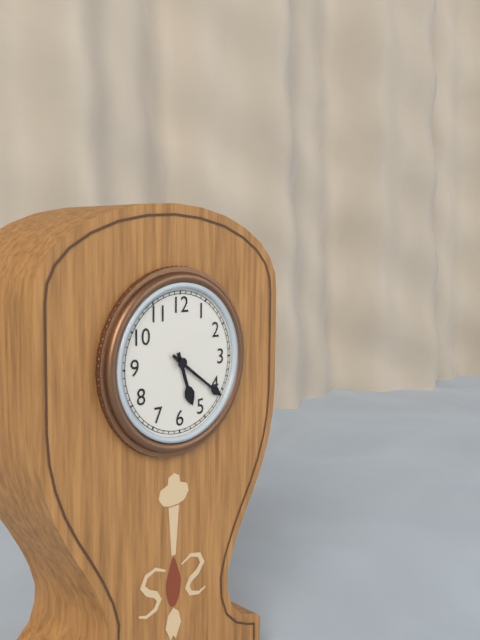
5:21
